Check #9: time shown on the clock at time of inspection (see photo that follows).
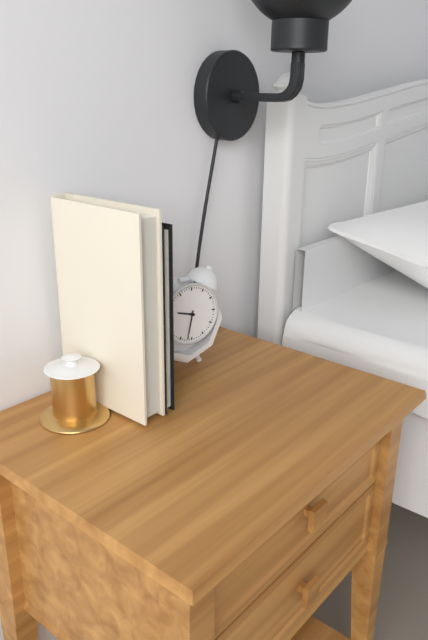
9:32
